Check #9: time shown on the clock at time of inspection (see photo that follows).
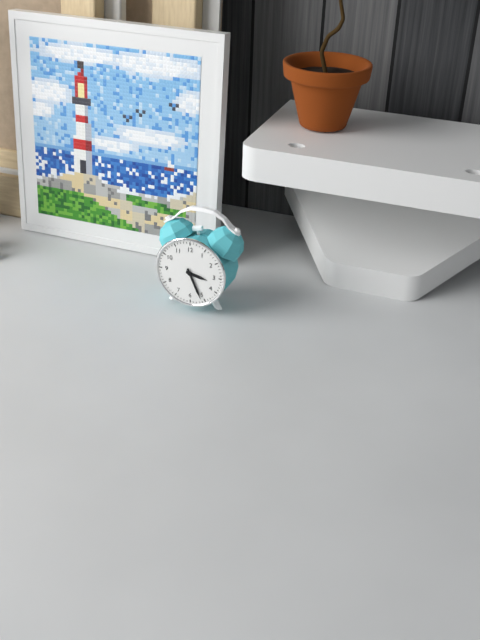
3:26
